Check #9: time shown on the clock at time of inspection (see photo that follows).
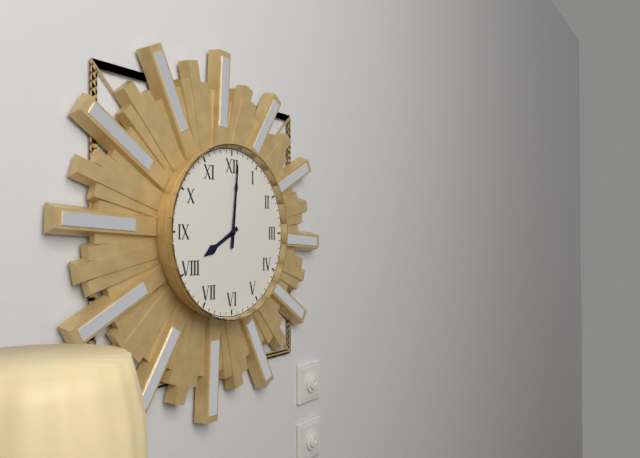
8:01
